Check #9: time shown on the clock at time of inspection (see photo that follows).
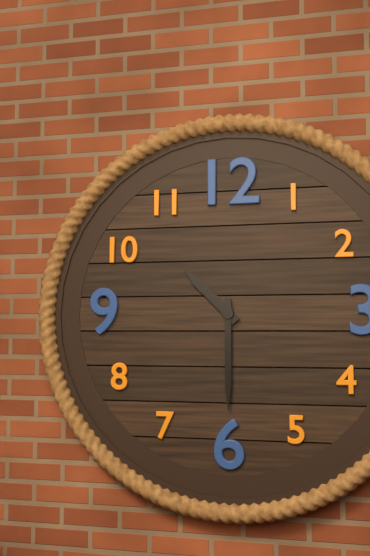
10:30
